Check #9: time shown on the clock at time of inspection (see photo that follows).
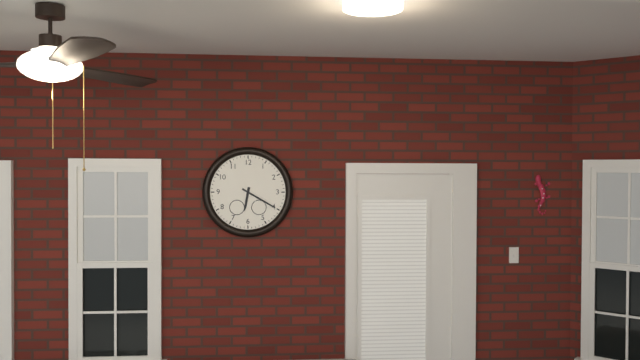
6:20
